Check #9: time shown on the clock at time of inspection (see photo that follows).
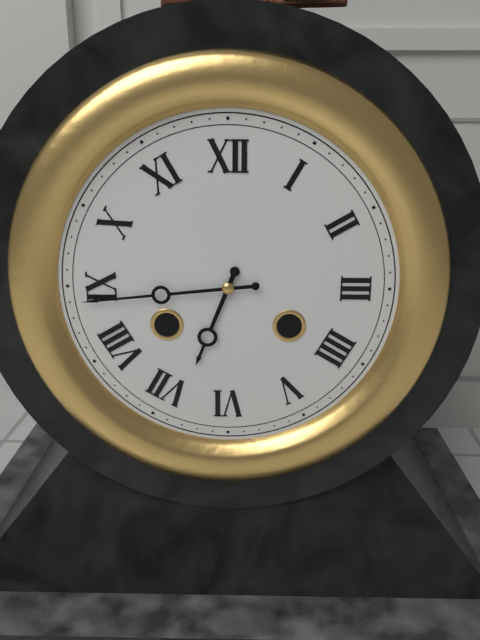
6:44
